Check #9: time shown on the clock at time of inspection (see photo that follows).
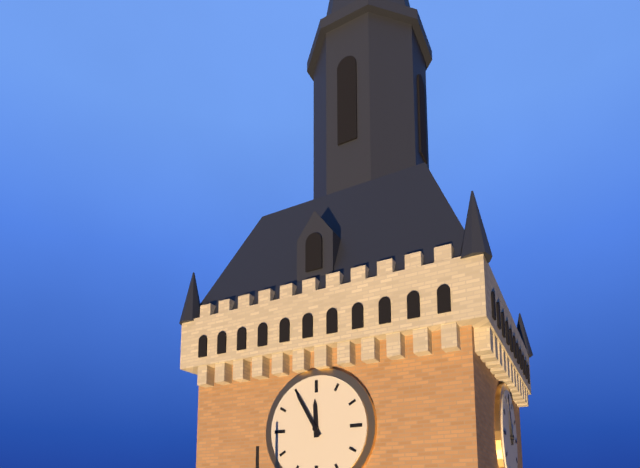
11:55
